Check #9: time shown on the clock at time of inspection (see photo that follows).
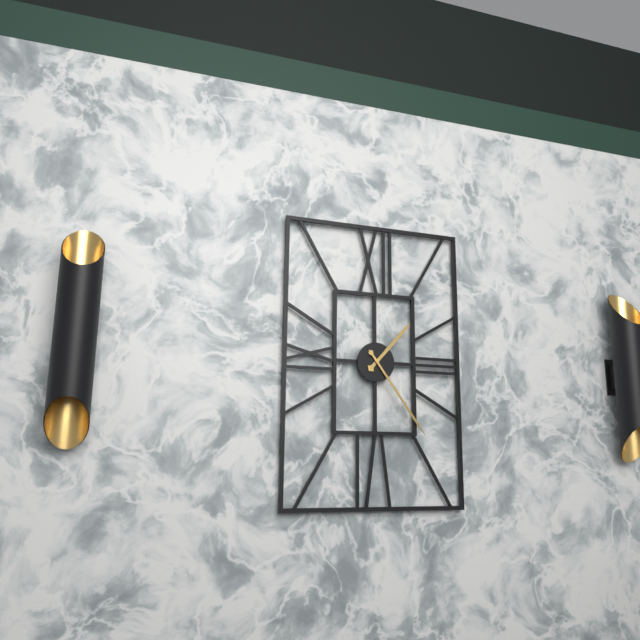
1:24
